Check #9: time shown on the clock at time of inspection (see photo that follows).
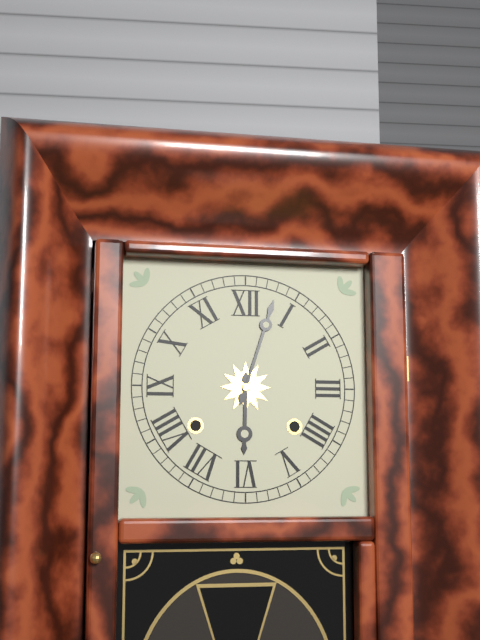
6:03
